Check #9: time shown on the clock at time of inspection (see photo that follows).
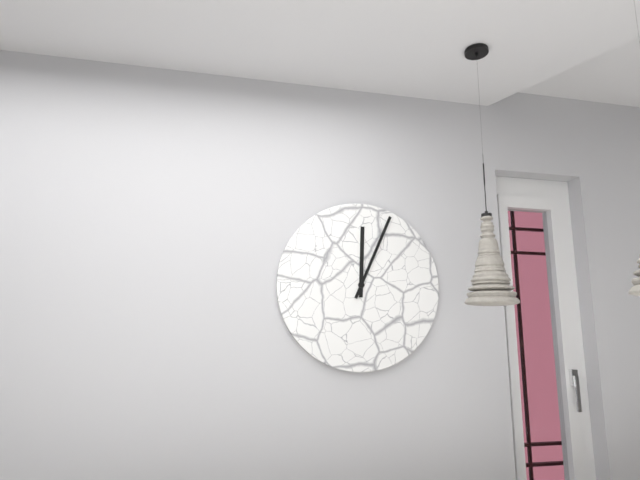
12:04
